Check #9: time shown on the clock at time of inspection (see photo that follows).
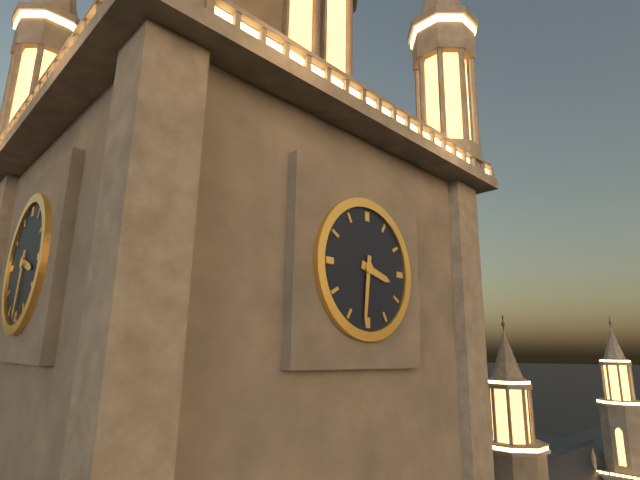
3:31
